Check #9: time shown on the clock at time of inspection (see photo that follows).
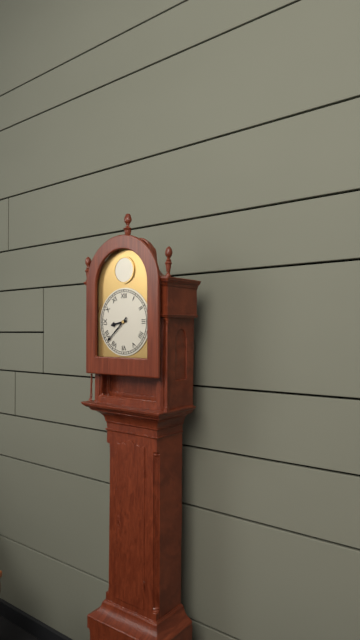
8:38
